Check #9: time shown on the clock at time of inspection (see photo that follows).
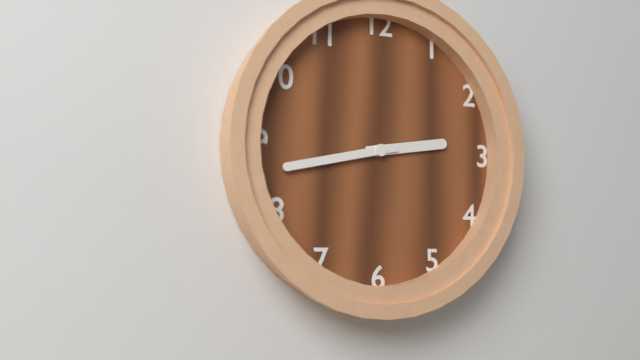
2:43
